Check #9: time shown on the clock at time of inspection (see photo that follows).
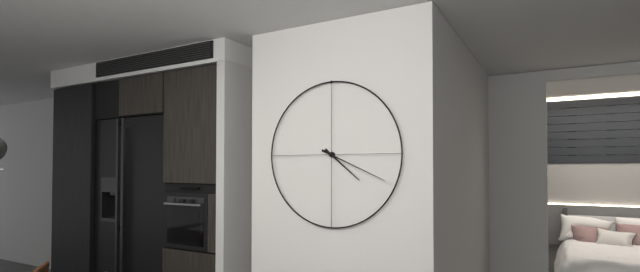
4:19
